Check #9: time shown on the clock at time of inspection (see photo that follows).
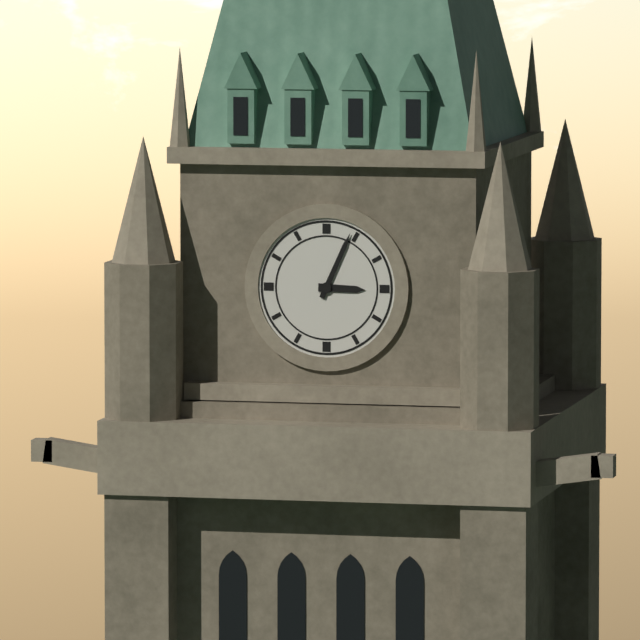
3:04
